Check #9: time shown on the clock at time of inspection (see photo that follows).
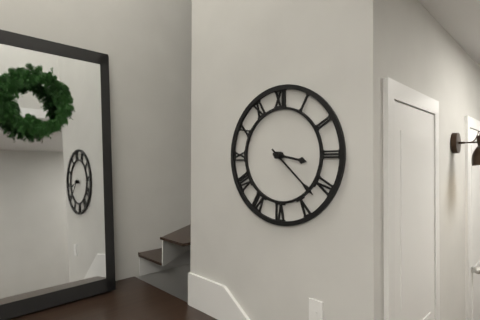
3:22
